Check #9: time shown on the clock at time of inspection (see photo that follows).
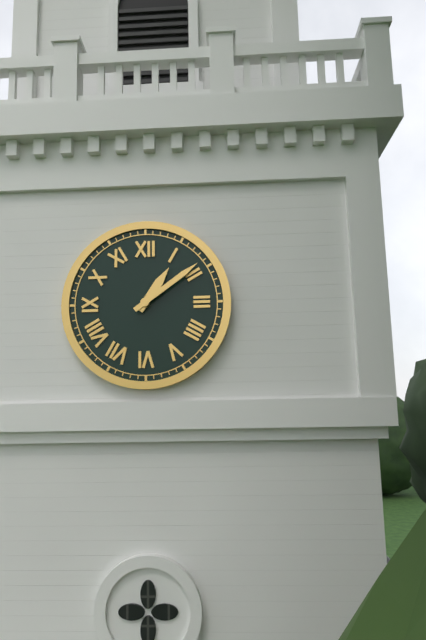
1:09
